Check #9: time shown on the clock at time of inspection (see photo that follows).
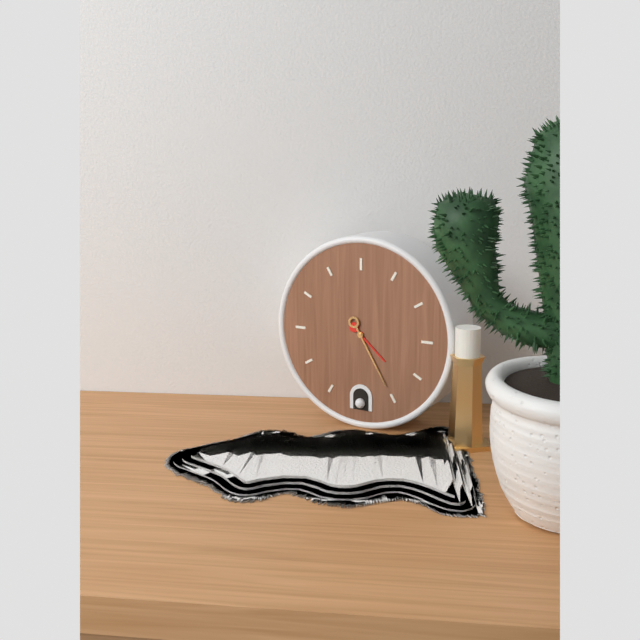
4:25
